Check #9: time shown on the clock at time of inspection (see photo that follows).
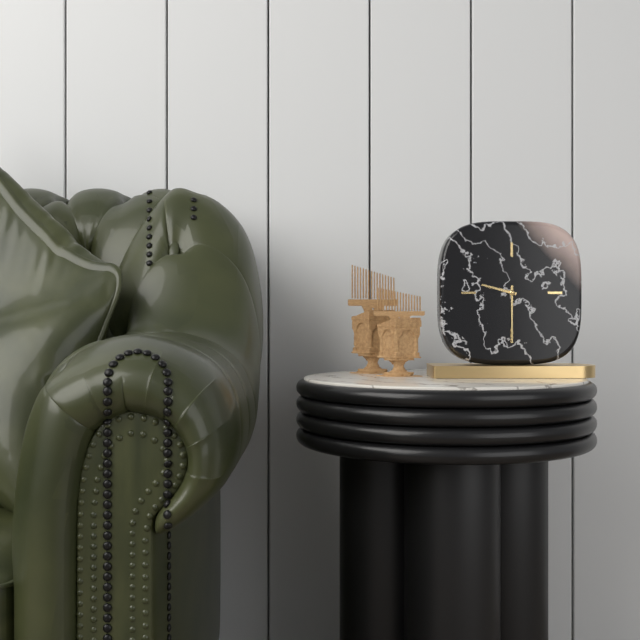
9:30
